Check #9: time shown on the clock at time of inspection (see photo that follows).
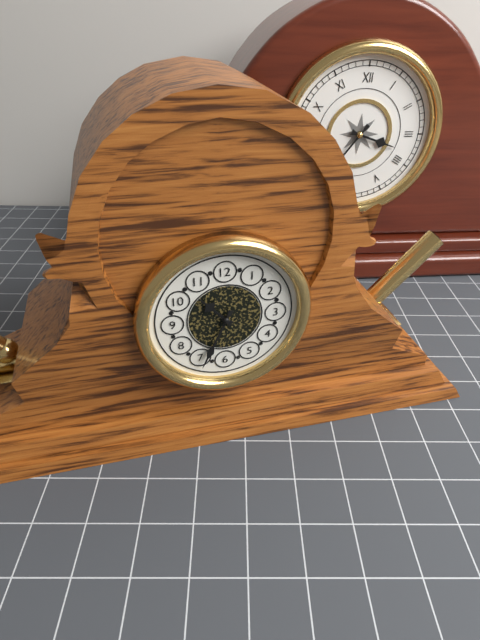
10:34
